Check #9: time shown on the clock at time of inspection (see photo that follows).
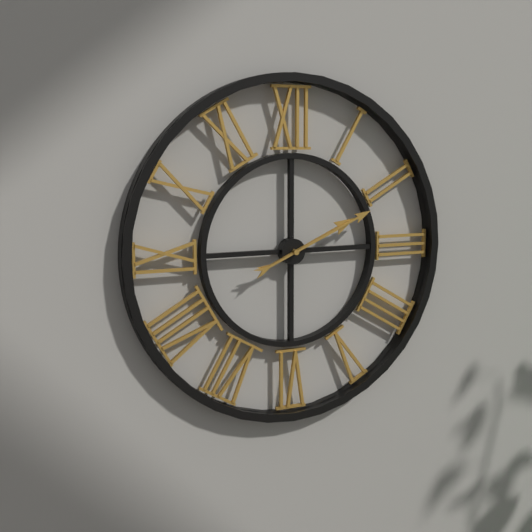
2:11
